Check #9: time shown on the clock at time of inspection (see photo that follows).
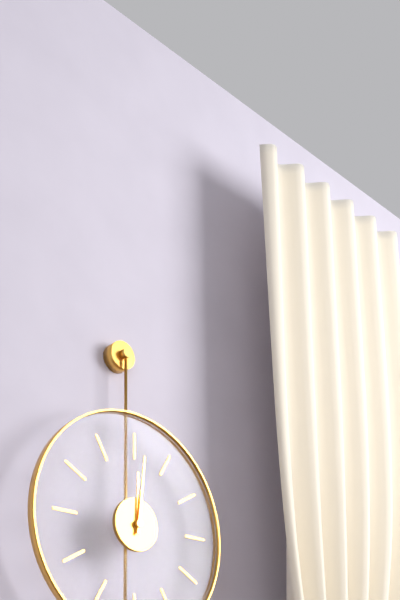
12:01
